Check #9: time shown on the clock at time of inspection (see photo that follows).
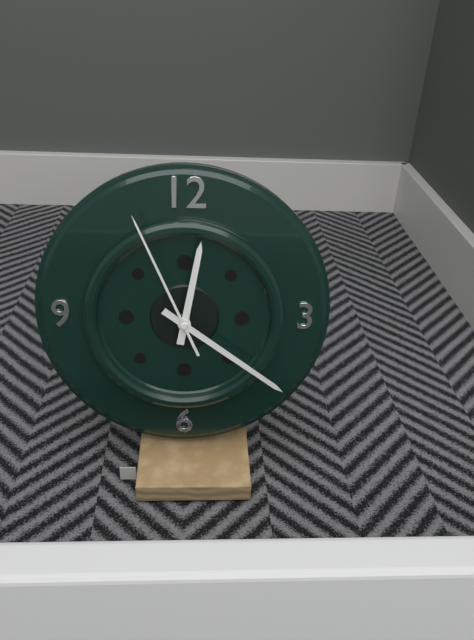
12:21:56
